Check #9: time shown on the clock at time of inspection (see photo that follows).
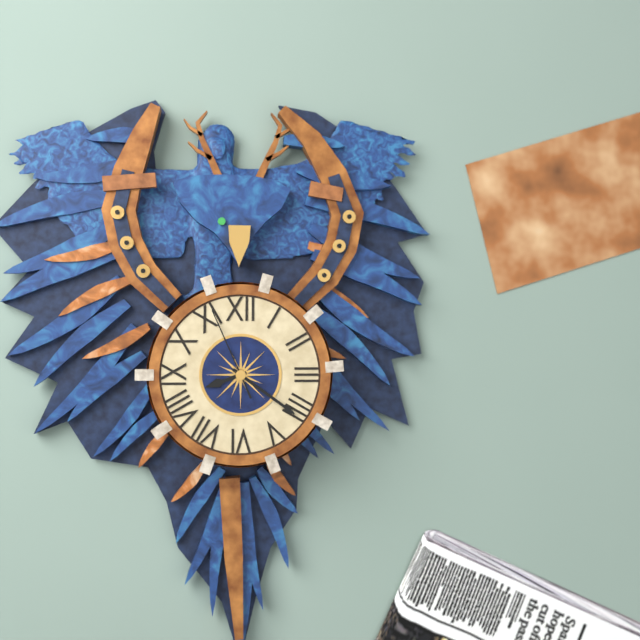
8:21:56
